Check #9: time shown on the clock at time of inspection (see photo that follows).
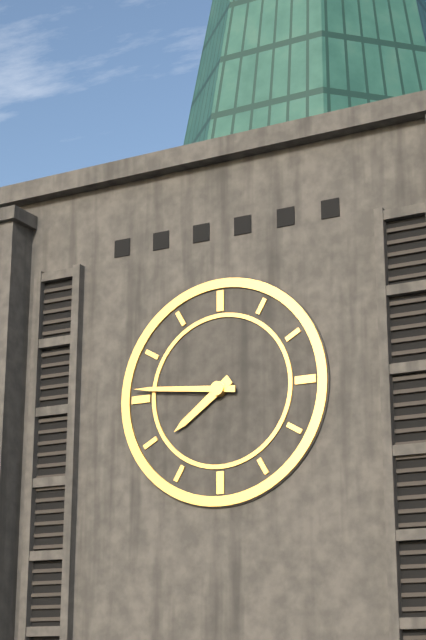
7:46
